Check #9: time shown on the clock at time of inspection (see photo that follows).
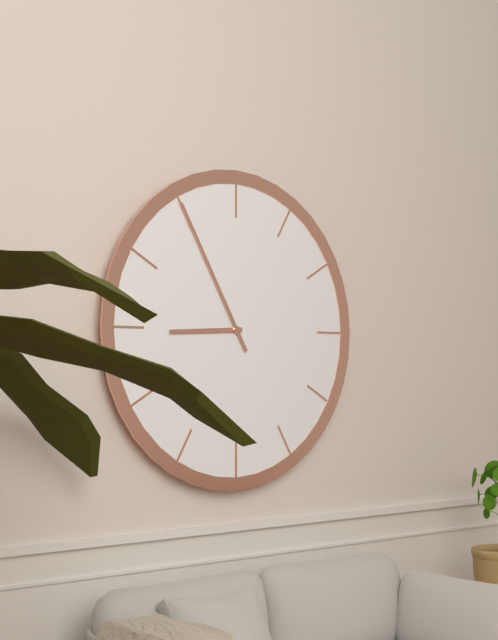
8:55
